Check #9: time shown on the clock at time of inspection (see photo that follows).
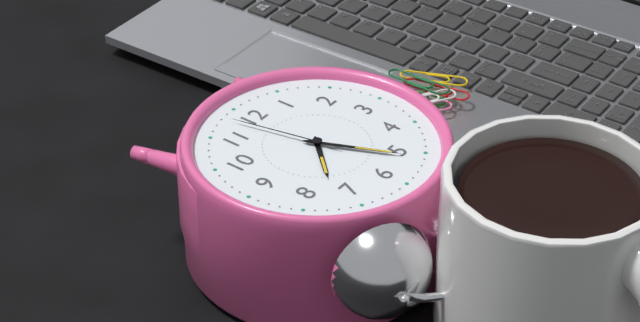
7:26:58
